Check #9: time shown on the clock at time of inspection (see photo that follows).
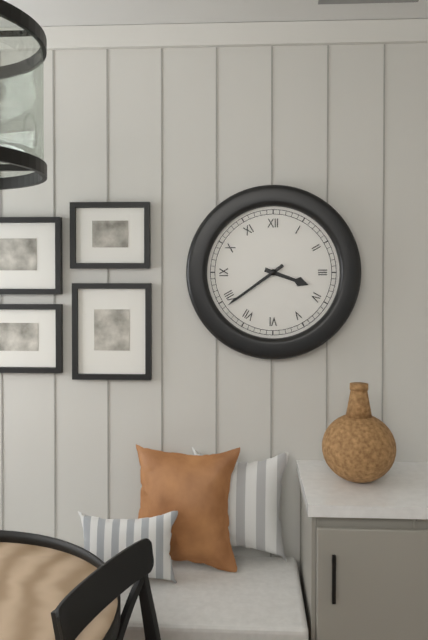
3:39
